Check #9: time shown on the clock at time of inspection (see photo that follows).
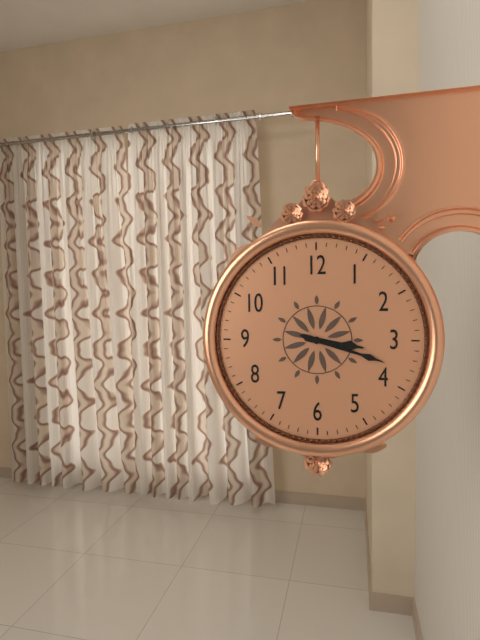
3:18
